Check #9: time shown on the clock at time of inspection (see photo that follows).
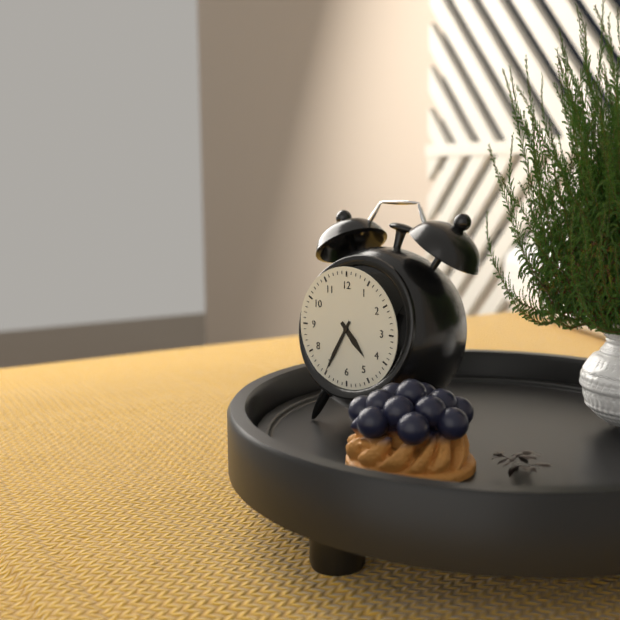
4:35
